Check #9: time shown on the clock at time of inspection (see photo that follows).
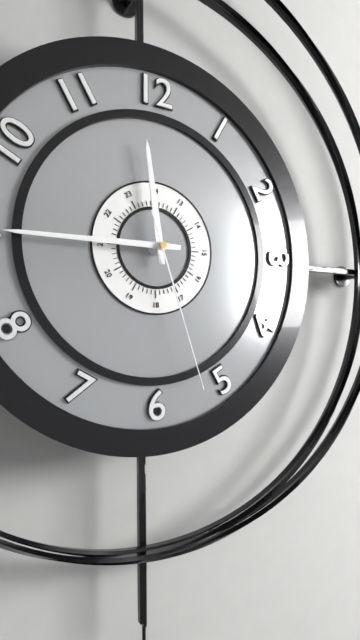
11:45:27
